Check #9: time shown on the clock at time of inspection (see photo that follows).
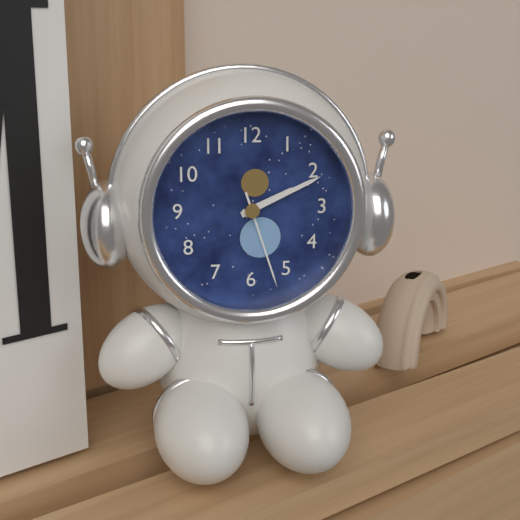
2:11:27
